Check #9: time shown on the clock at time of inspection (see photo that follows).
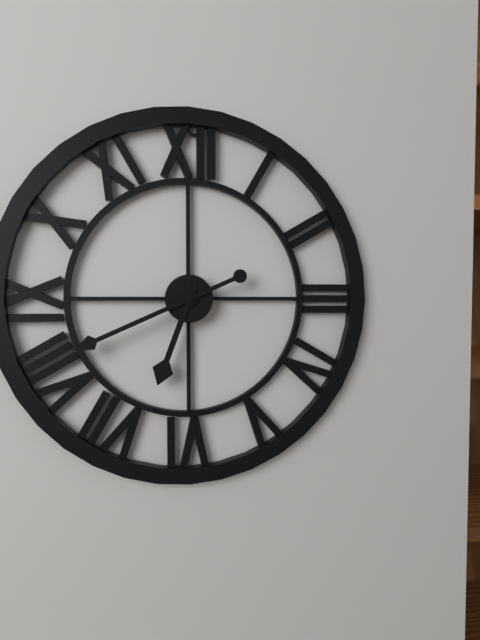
6:41
